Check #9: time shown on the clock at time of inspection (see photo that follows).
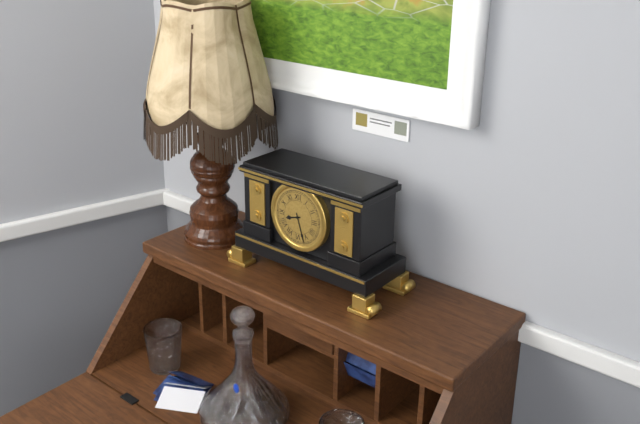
8:27
